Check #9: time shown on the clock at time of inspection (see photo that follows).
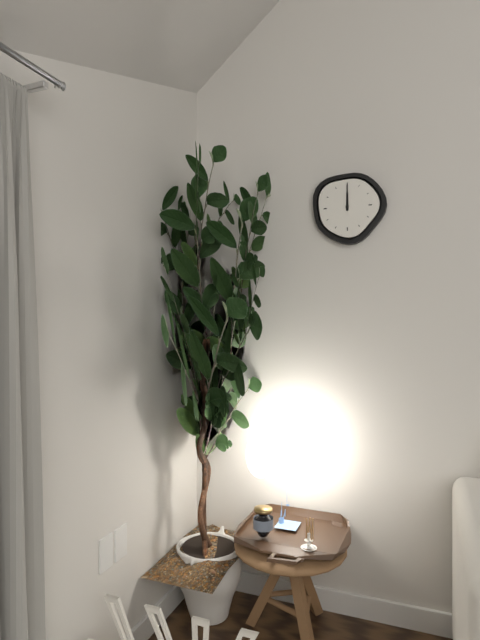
12:00
